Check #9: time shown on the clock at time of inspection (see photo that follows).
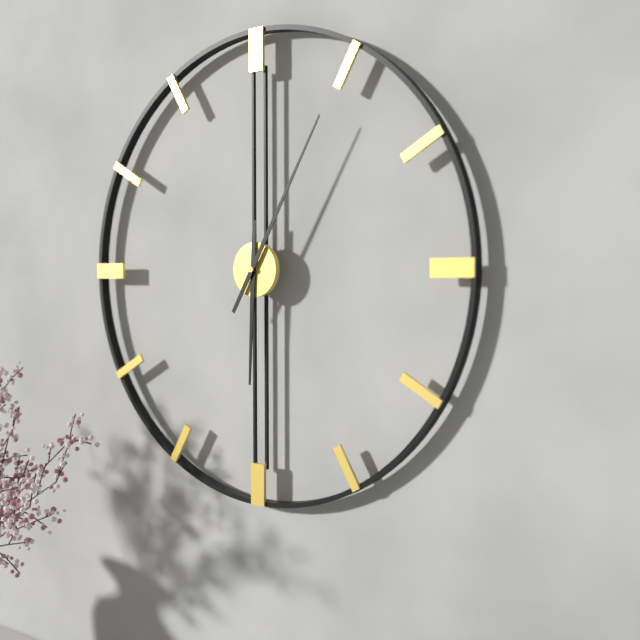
6:05
